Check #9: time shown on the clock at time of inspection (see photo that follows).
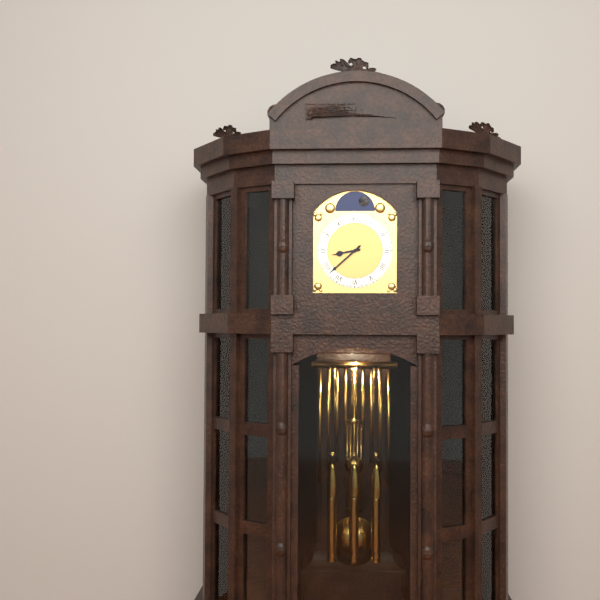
8:38
